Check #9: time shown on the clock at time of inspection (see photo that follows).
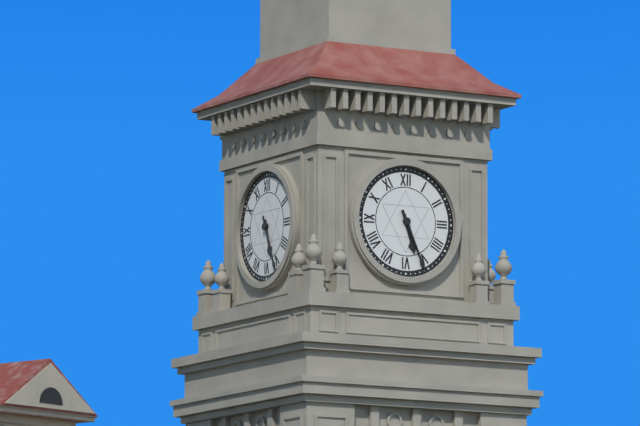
5:26
